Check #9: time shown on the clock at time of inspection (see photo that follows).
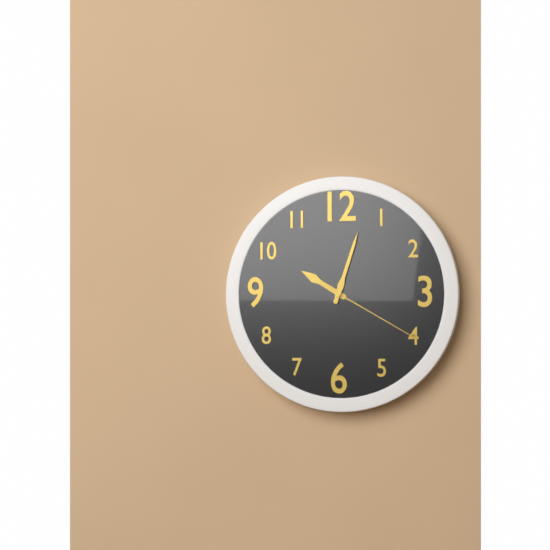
10:03:20
